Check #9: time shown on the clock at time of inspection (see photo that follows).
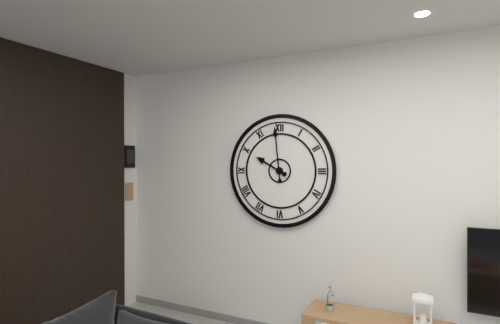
9:59
